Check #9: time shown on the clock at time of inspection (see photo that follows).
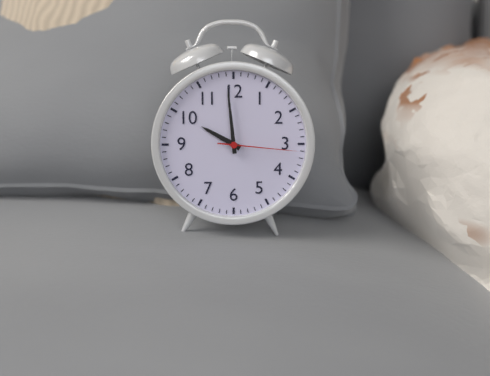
9:59:16
